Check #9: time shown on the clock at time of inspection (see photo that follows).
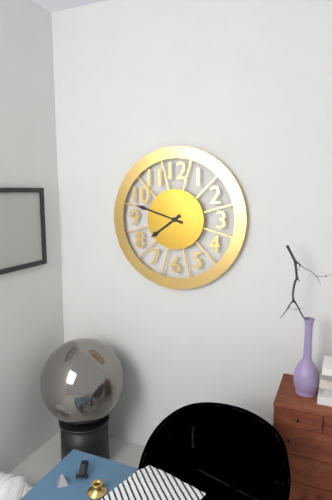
7:48
